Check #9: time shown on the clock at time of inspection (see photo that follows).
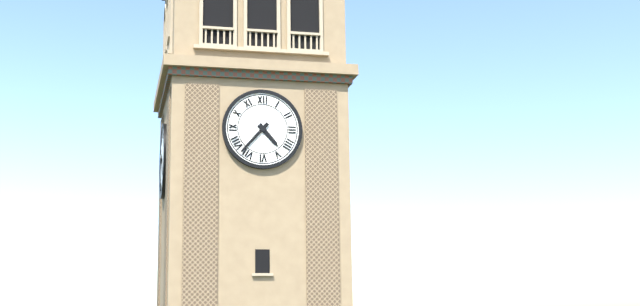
4:37
